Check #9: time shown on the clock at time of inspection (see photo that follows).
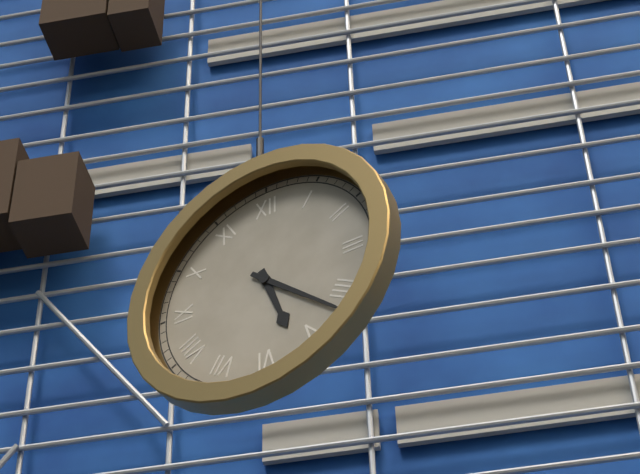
5:22
